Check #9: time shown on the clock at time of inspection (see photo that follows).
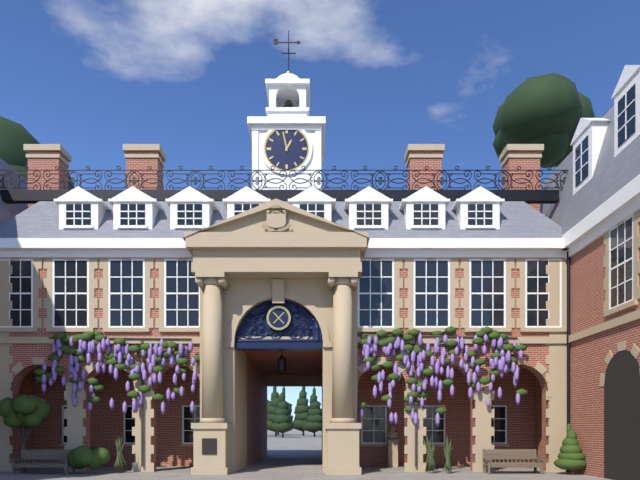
12:58
